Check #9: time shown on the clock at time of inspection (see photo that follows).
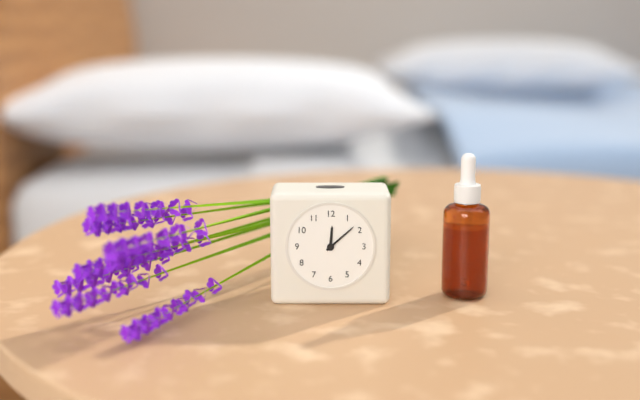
12:08
